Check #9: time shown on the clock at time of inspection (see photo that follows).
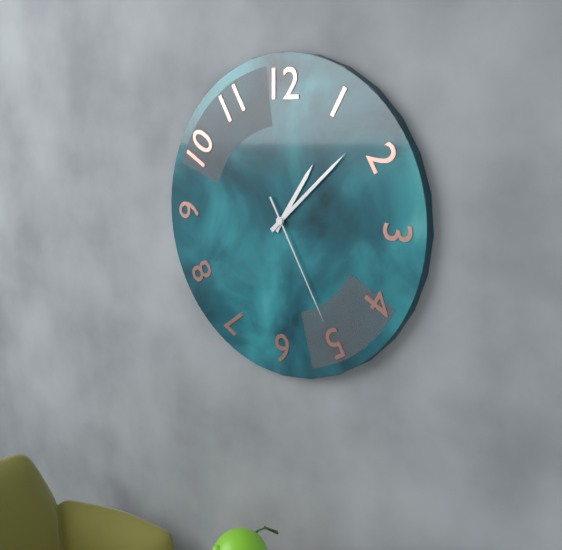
1:08:25
